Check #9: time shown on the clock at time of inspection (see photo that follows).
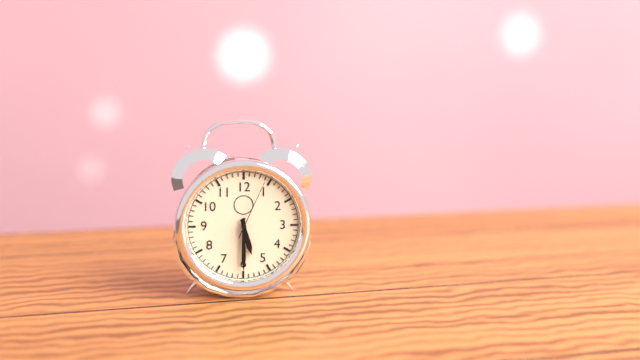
5:30:04
